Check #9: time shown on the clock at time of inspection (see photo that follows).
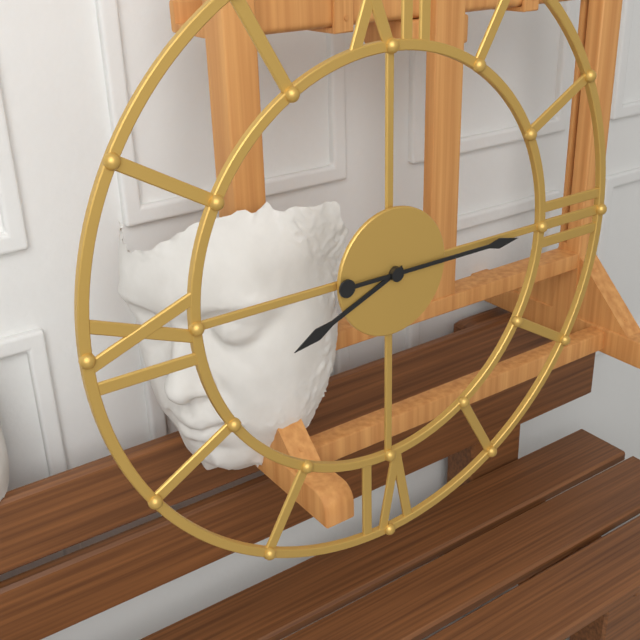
8:15
